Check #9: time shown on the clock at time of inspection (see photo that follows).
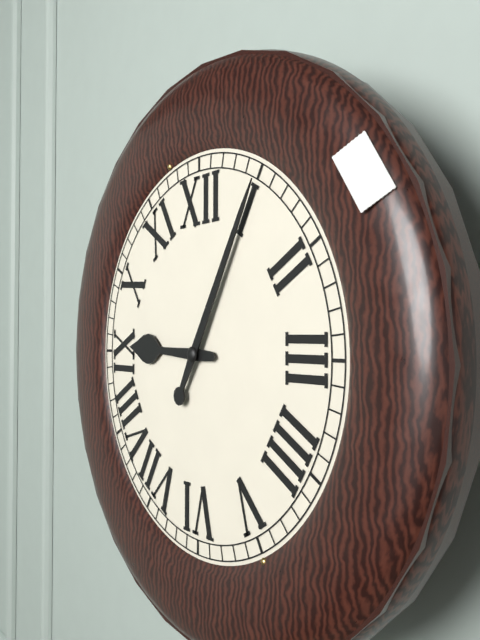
9:05
